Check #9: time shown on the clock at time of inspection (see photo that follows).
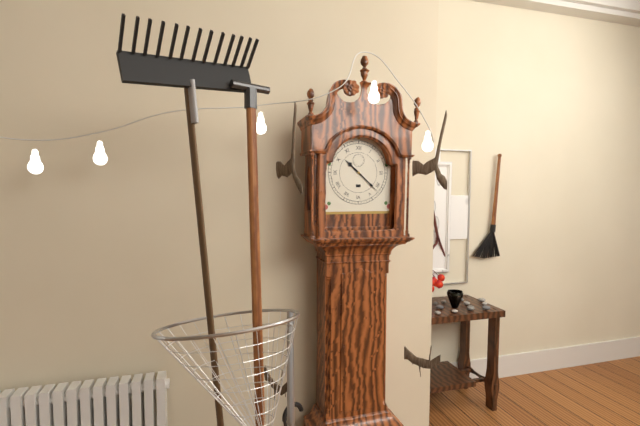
10:22
